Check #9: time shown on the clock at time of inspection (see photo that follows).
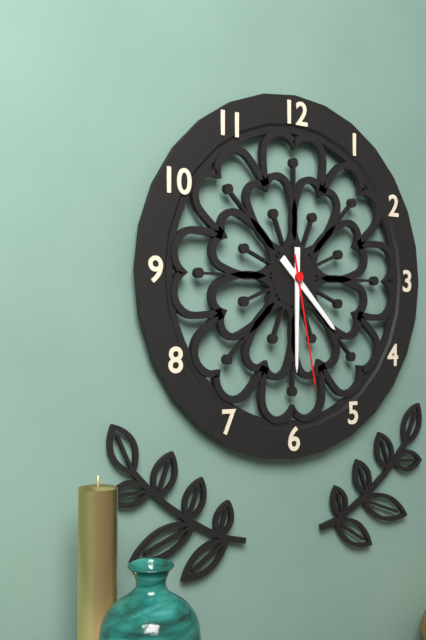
4:30:28
